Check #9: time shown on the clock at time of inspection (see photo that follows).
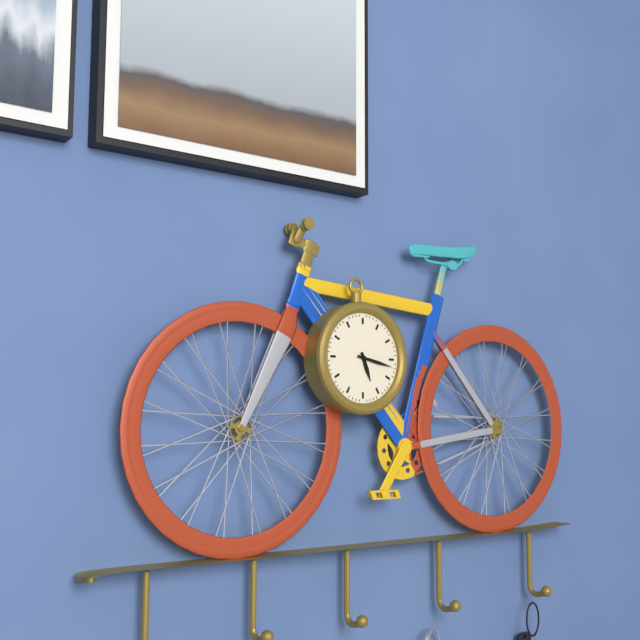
5:17
